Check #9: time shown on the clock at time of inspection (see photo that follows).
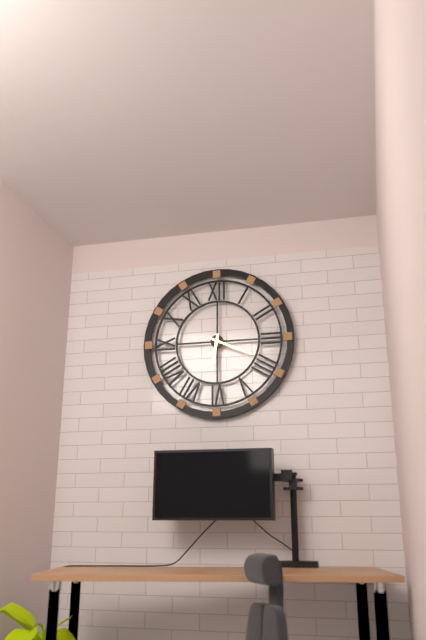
6:19
